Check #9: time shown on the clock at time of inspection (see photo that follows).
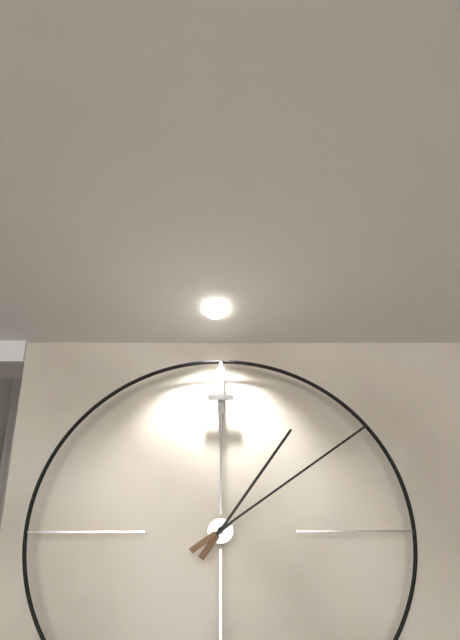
1:09
